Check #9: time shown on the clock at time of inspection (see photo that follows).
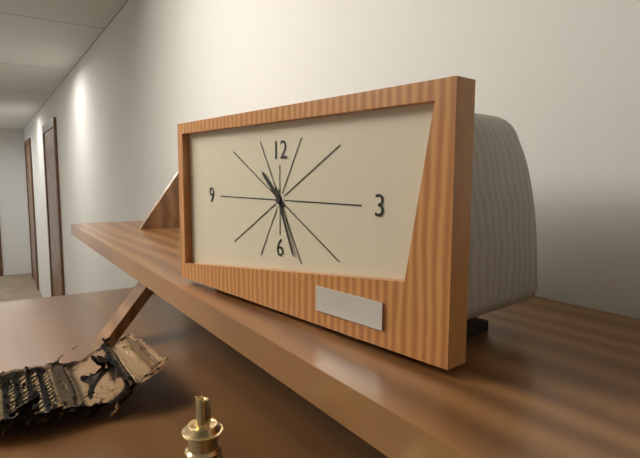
10:26
